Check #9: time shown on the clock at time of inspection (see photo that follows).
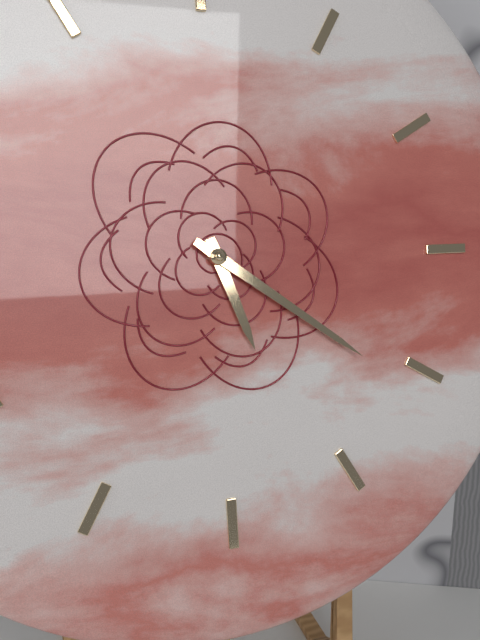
5:21
